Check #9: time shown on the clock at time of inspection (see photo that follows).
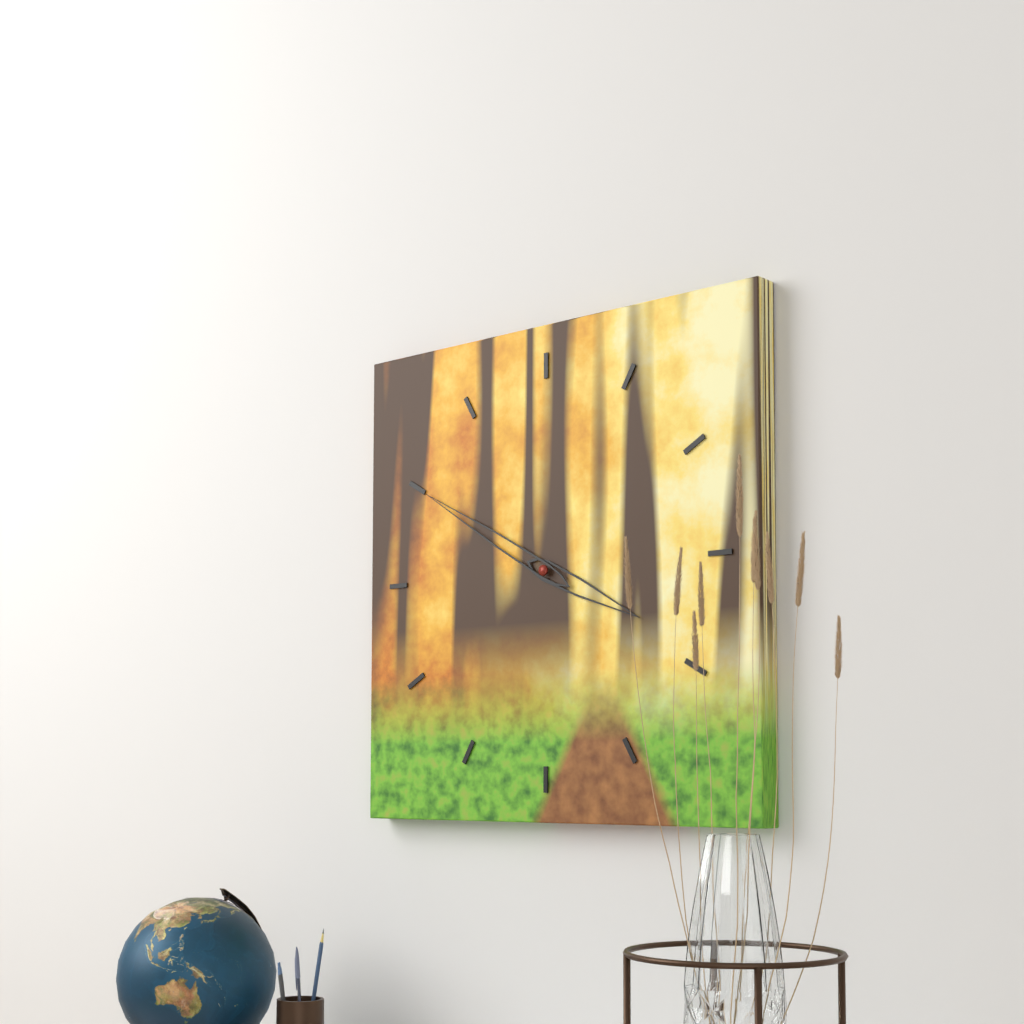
3:50
